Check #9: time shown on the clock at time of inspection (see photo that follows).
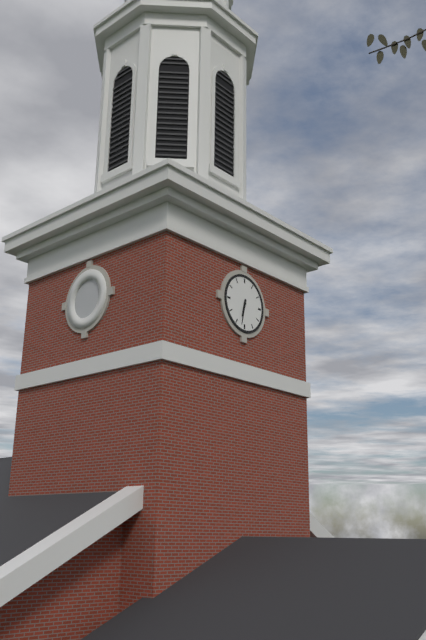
6:32
